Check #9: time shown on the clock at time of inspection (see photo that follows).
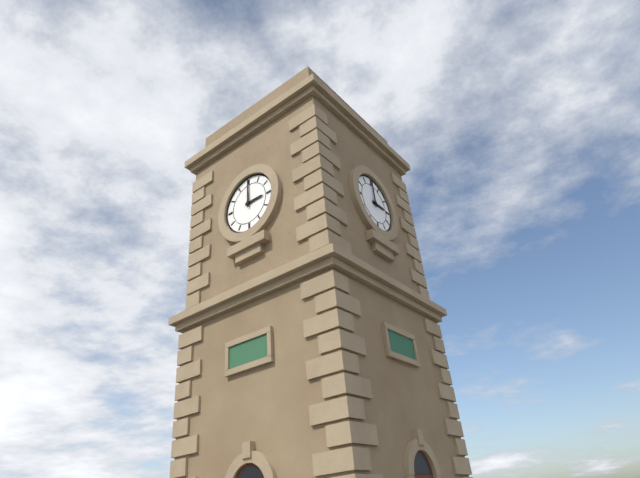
3:00
